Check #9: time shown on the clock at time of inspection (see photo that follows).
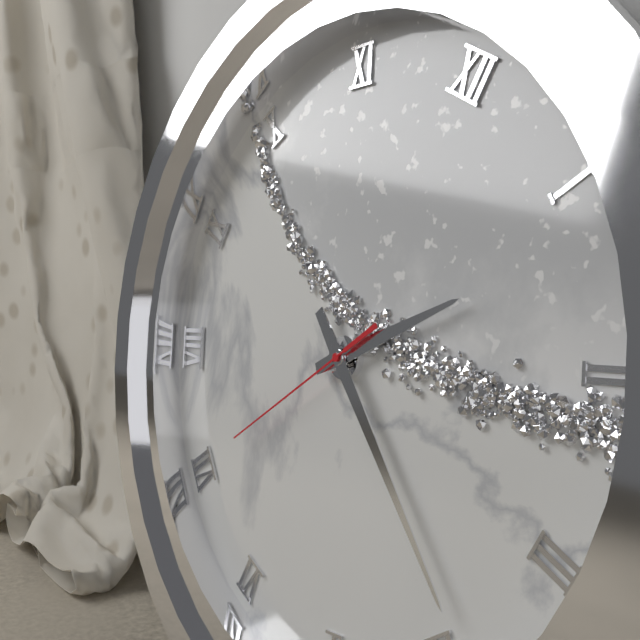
1:19:35
